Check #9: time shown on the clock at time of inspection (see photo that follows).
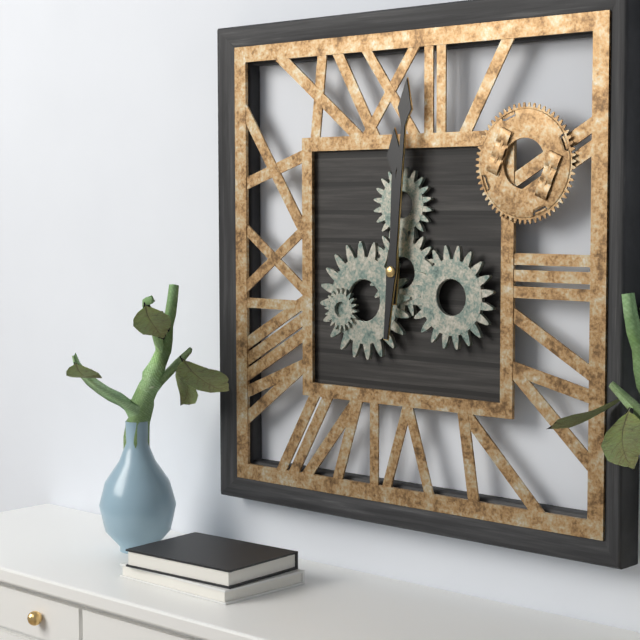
12:01
